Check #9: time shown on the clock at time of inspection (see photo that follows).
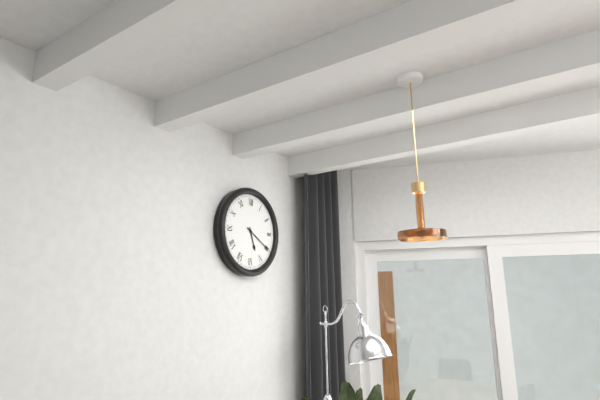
5:20
